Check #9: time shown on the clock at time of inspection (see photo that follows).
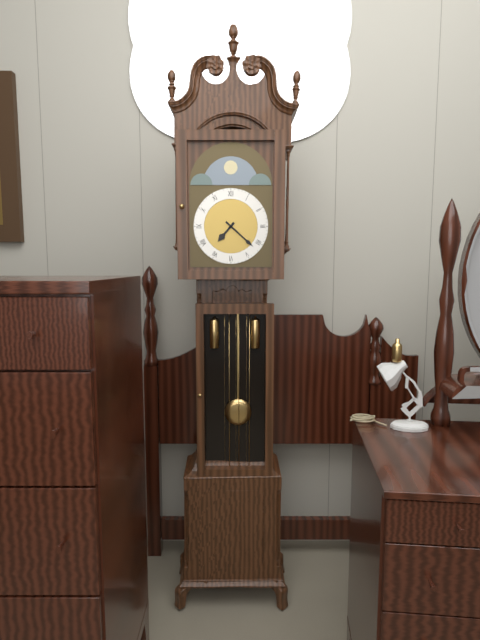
7:22
